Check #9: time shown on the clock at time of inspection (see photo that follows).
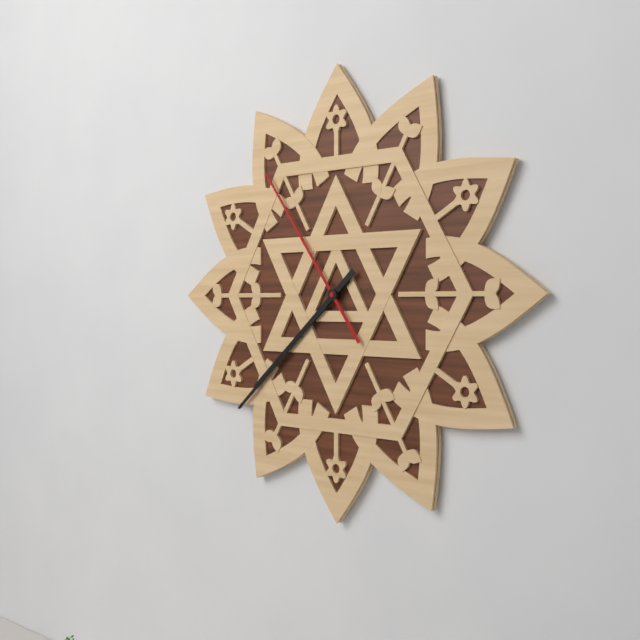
7:38:54
